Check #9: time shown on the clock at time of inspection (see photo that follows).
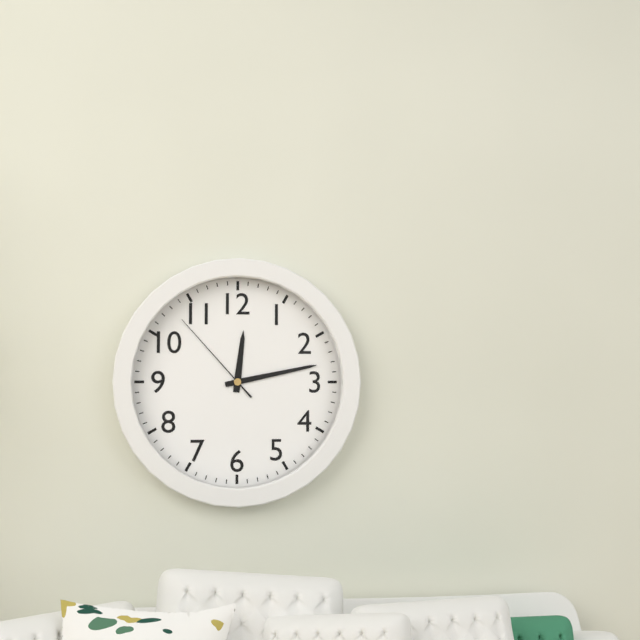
12:13:53
